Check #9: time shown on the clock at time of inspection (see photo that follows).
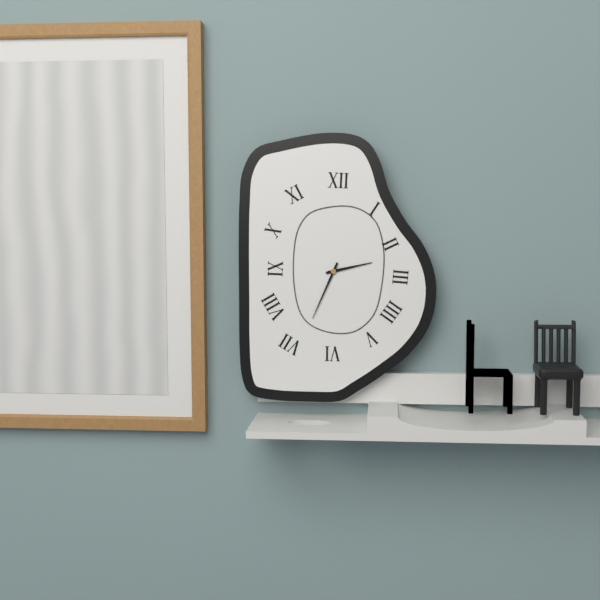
2:34
